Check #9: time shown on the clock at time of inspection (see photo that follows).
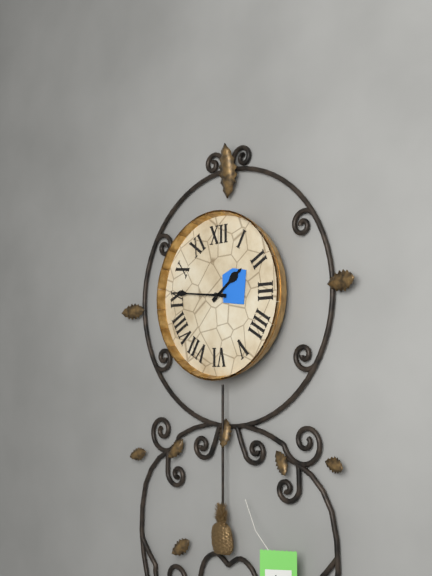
1:46
